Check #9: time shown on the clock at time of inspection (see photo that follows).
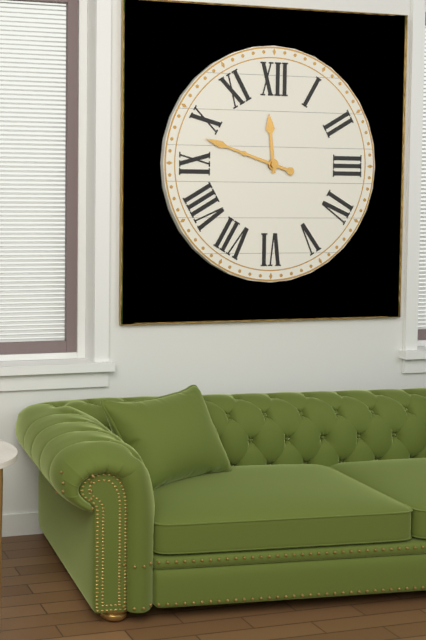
11:48
